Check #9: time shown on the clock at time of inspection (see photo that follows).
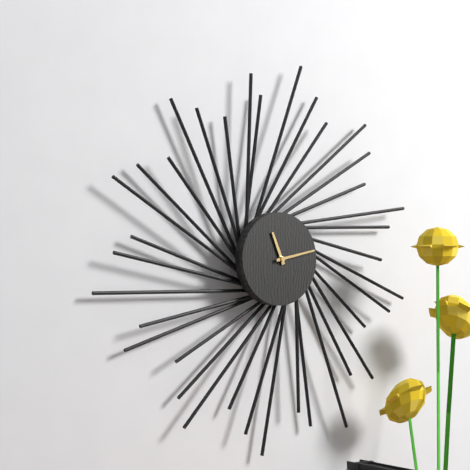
11:13
